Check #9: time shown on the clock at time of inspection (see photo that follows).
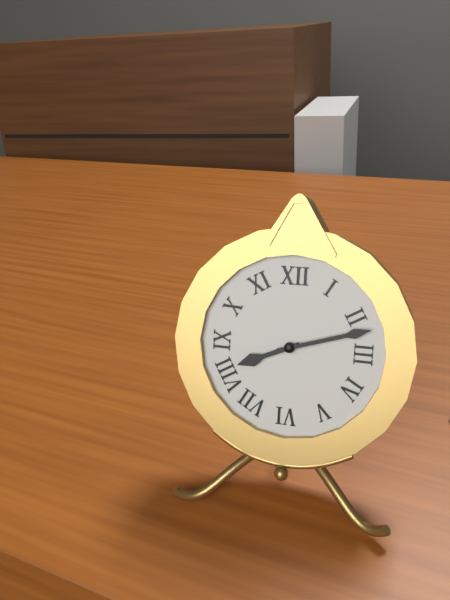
8:12
